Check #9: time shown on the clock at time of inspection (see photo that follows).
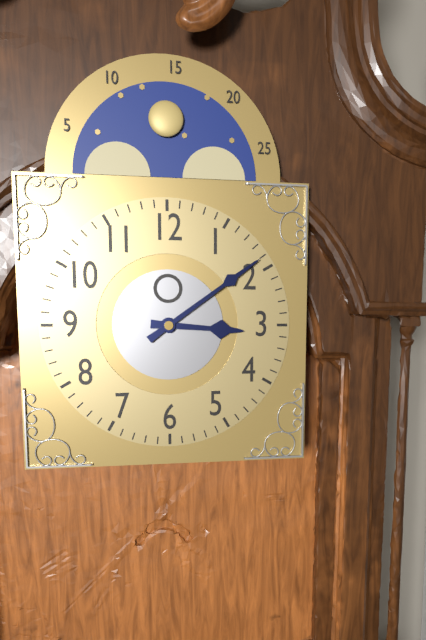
3:09
